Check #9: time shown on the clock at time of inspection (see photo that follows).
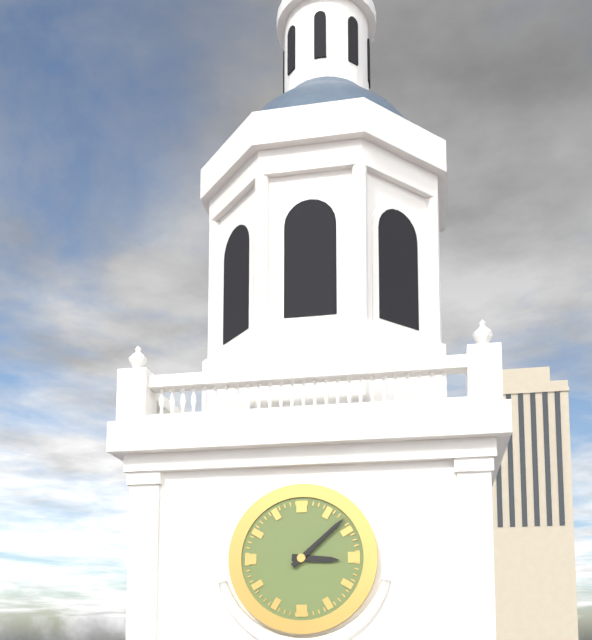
3:08
